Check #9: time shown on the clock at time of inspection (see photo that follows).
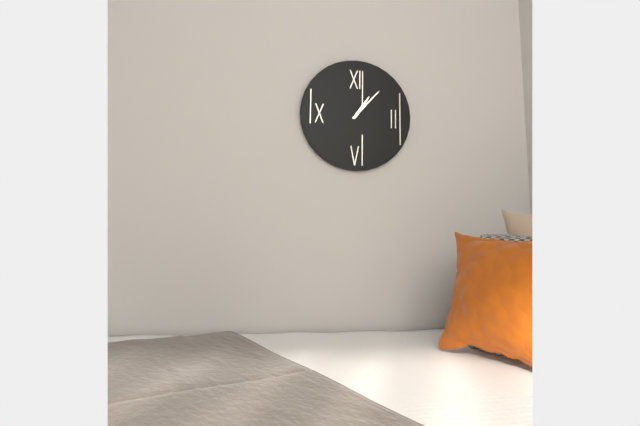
1:07
